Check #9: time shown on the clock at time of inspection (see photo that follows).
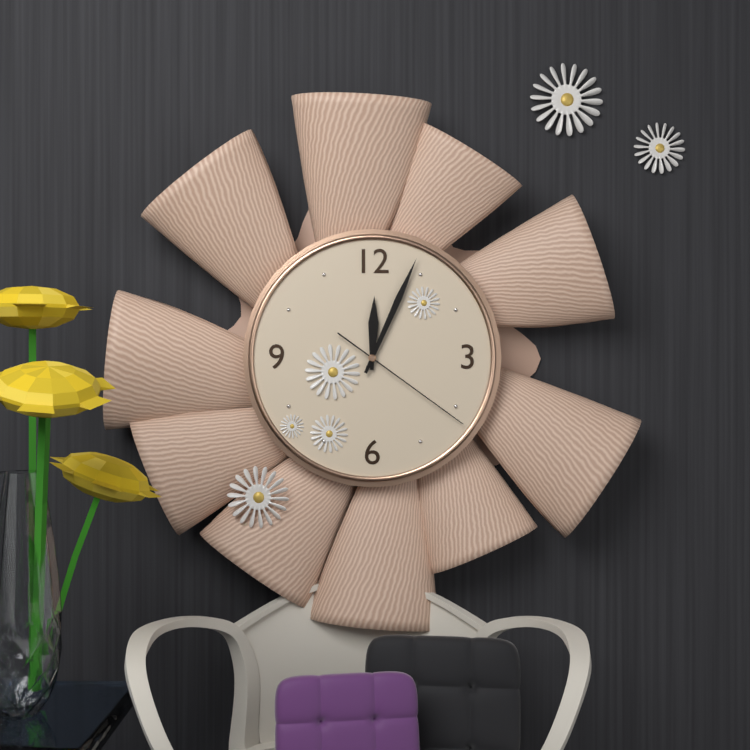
12:04:21
